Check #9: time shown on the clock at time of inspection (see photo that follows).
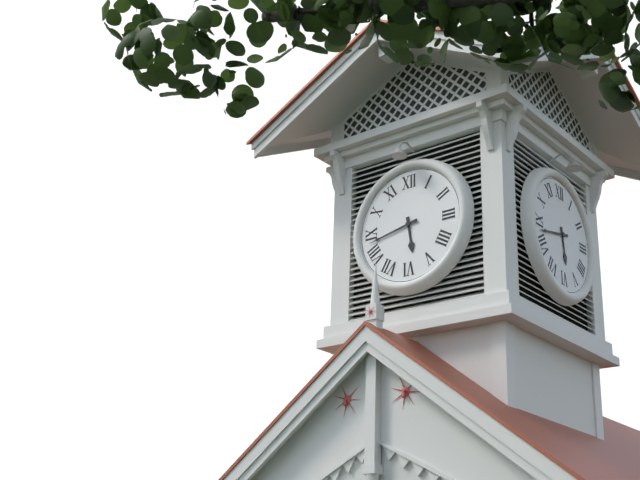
5:43
